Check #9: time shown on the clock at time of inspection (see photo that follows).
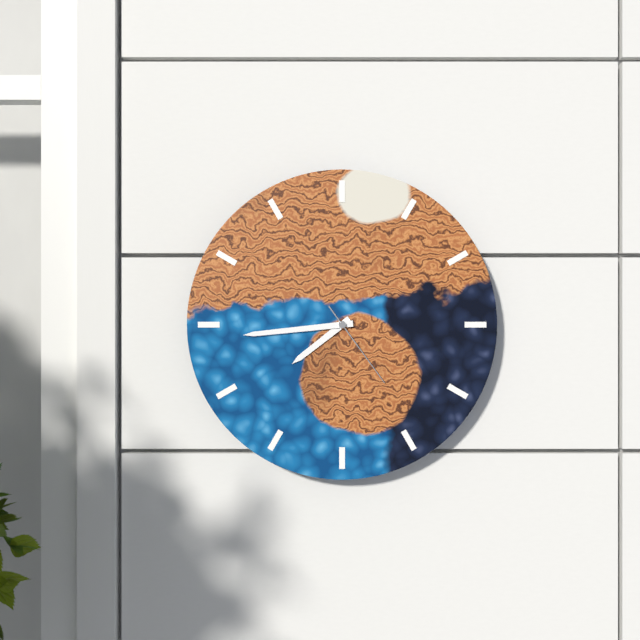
7:44:24
